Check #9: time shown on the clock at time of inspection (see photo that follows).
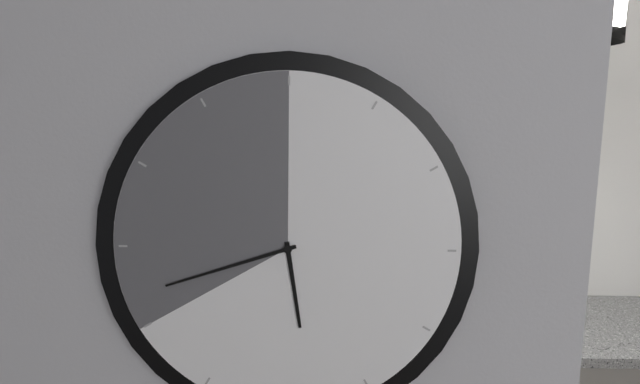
5:42
